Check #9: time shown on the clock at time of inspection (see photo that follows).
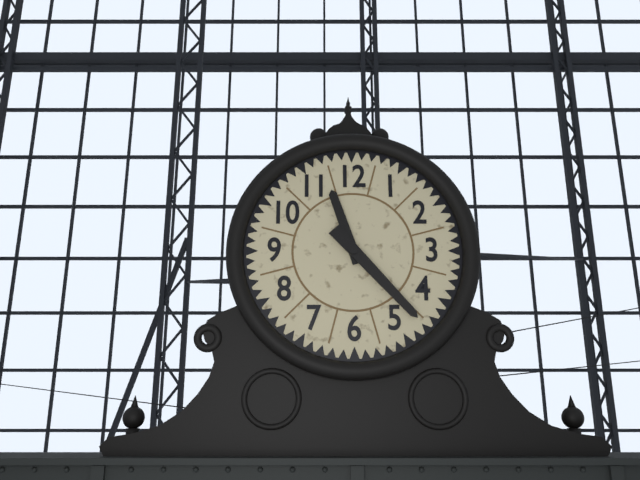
11:23
